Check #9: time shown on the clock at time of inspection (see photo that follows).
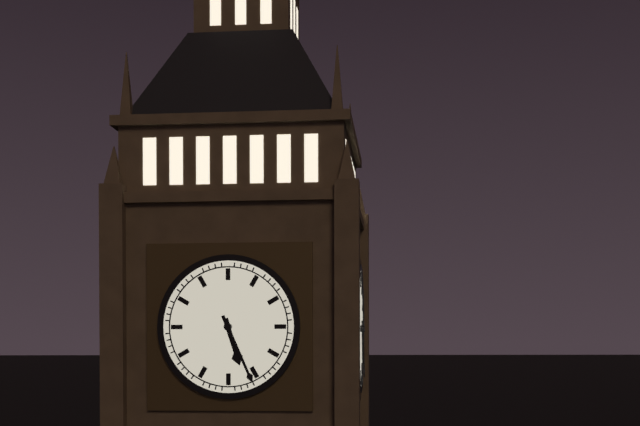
5:26
